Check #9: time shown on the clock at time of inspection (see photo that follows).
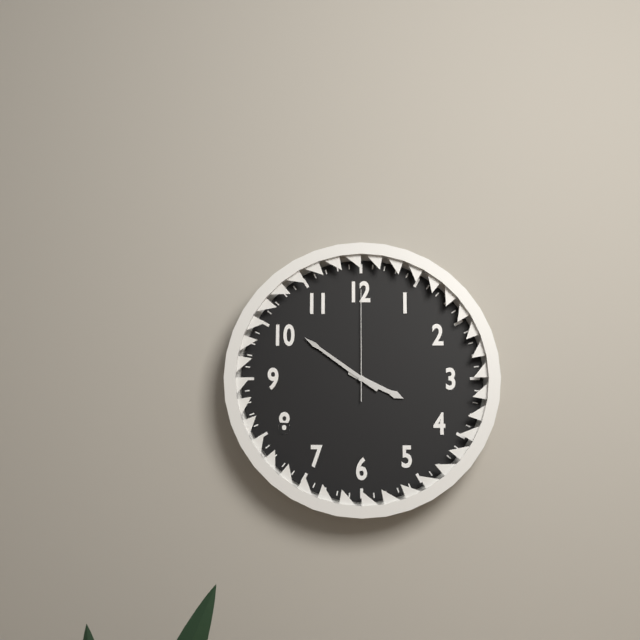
3:51:00
